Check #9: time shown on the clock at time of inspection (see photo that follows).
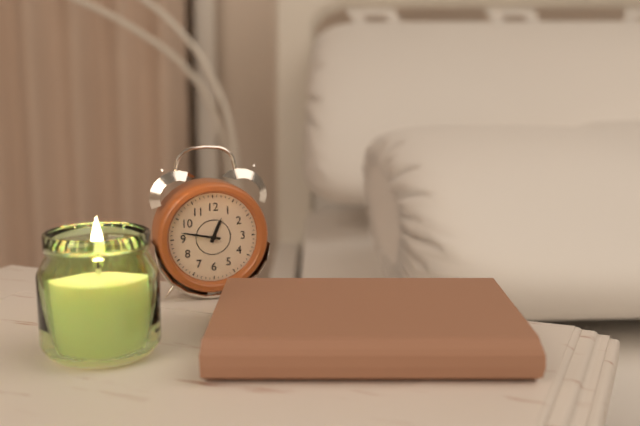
12:47
